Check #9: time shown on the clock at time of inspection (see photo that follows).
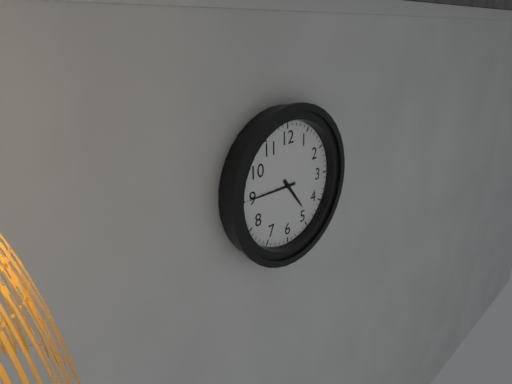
4:45
